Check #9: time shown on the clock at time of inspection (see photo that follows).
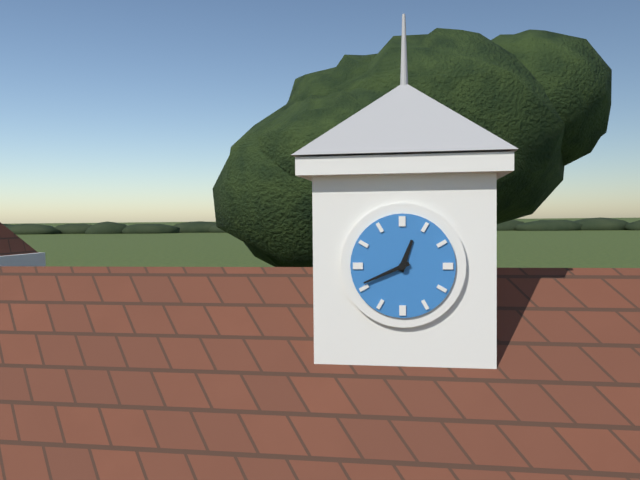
12:41
